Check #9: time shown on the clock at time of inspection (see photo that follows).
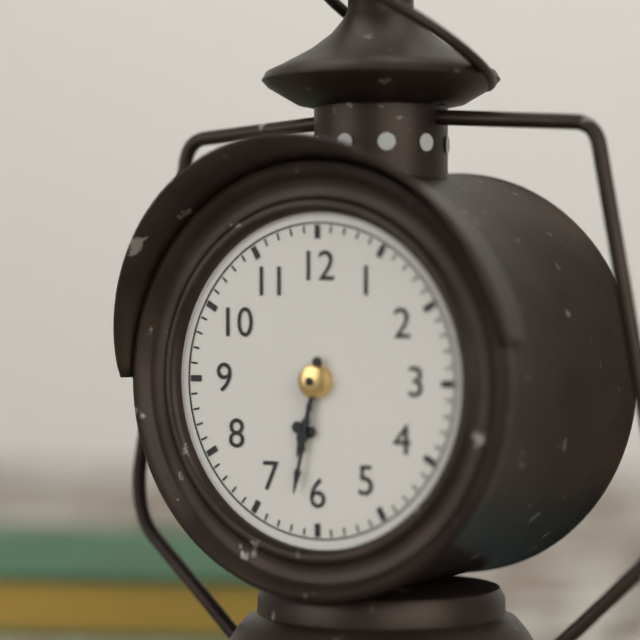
6:32
